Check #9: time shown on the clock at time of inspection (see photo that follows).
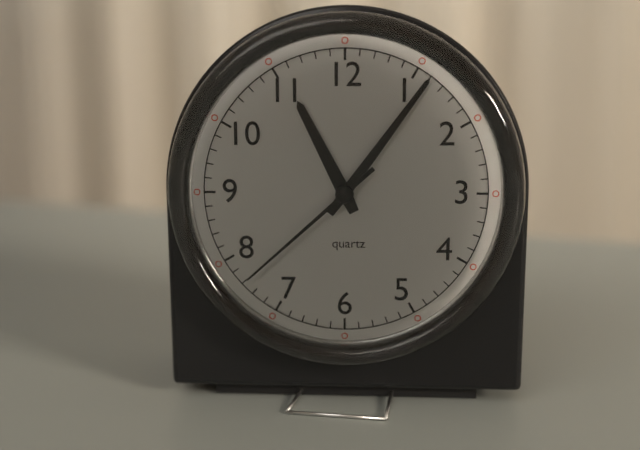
11:06:38
